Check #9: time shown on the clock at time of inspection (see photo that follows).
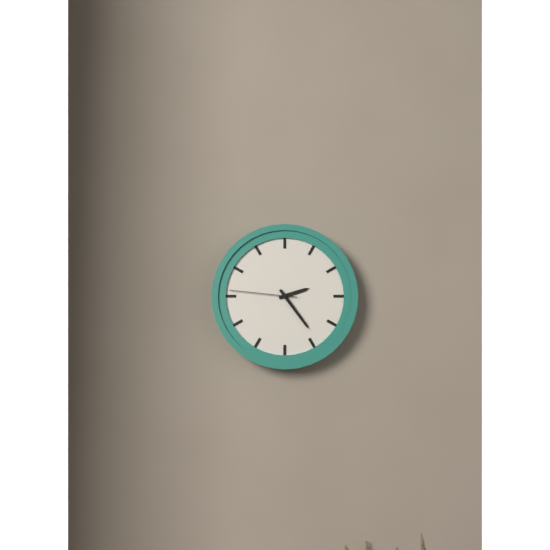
2:24:46
